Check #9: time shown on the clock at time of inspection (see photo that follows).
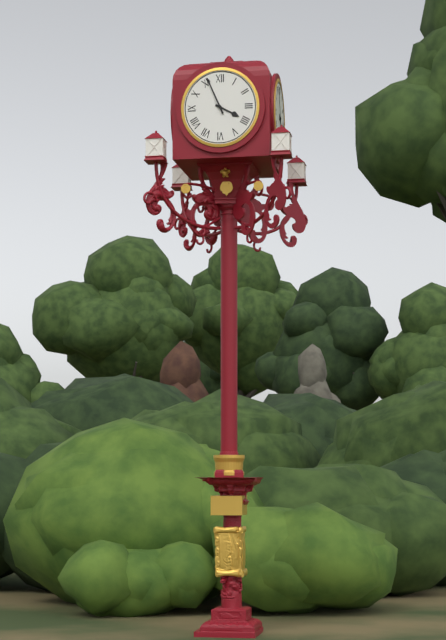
3:56
